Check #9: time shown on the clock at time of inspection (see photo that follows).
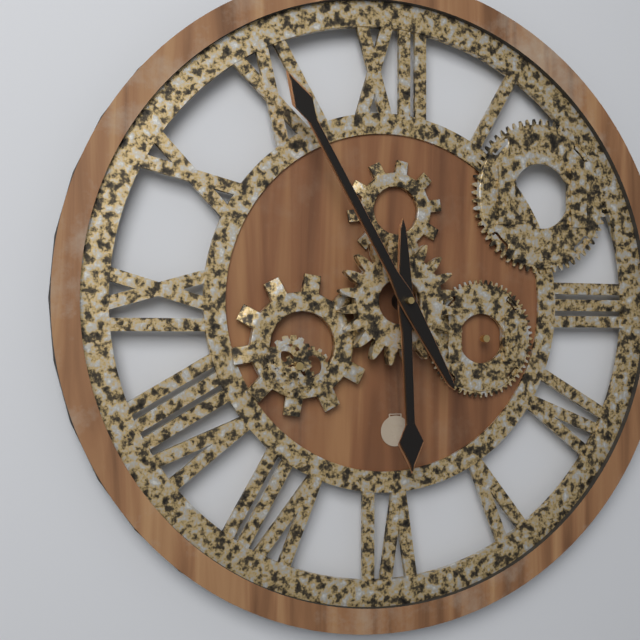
5:55
